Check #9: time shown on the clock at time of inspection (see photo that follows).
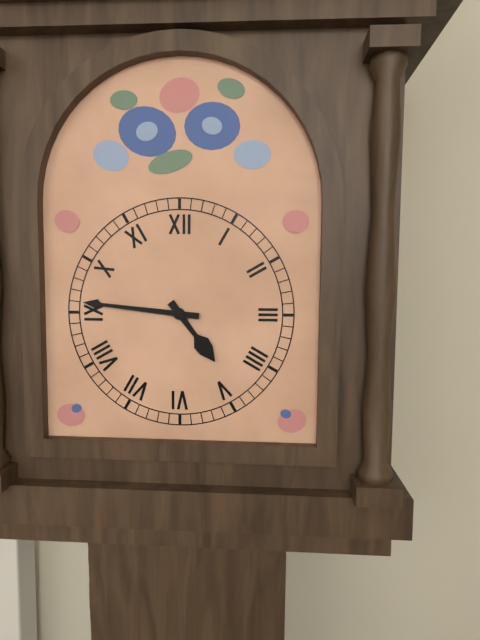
4:46
